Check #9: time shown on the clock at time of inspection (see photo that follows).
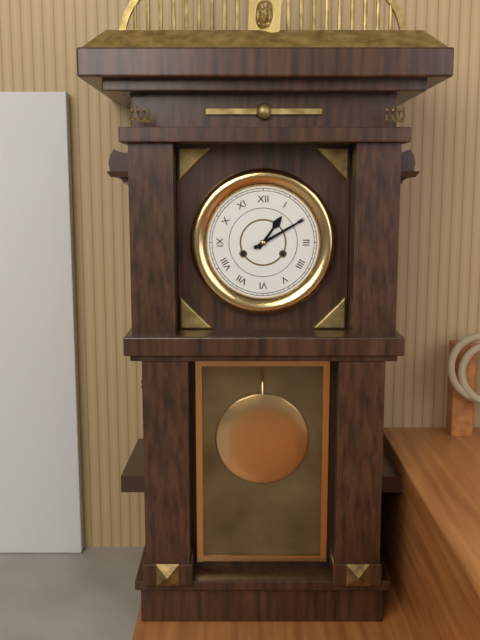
1:10
